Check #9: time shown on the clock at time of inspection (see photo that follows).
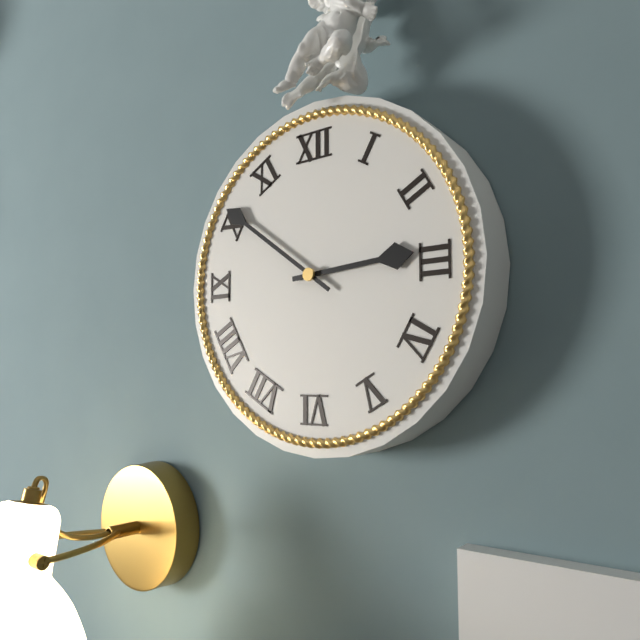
2:51
